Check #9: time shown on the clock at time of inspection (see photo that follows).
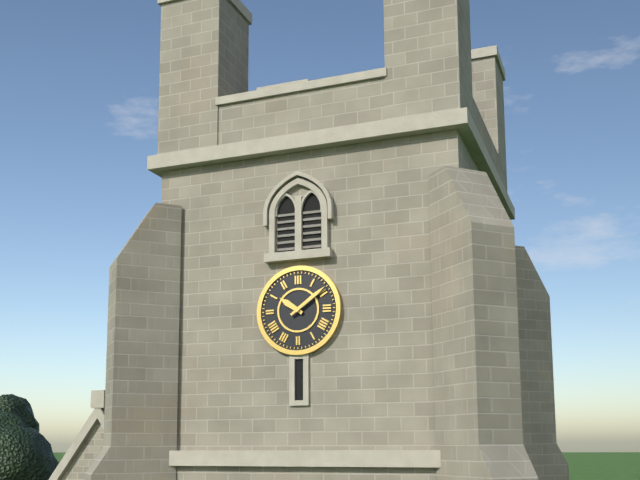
10:09
